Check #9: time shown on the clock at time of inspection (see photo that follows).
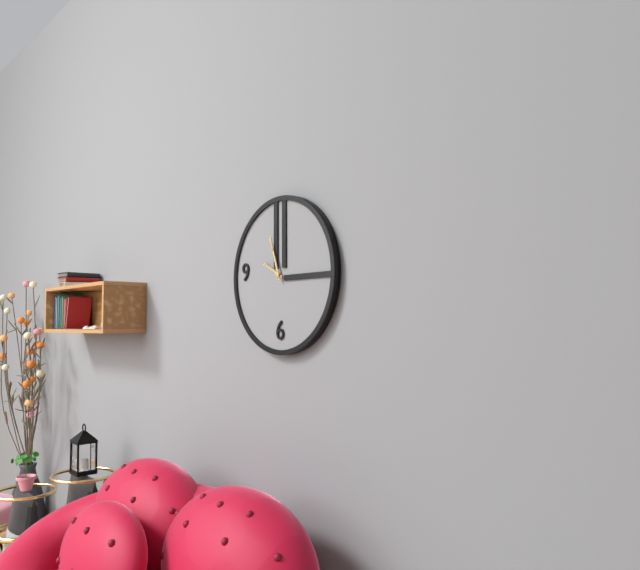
9:57
